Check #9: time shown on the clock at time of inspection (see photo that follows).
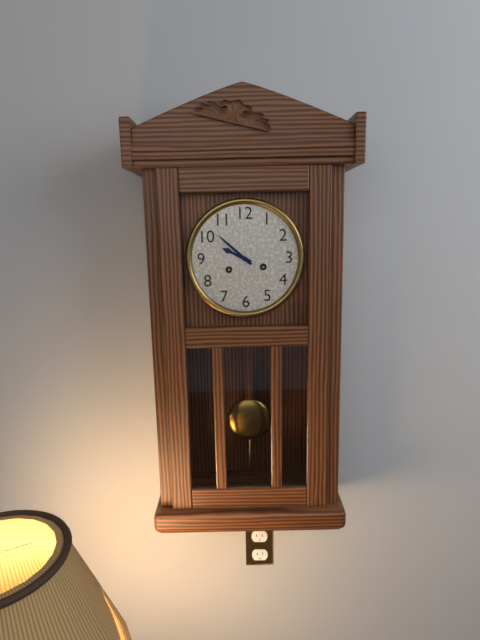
9:52
